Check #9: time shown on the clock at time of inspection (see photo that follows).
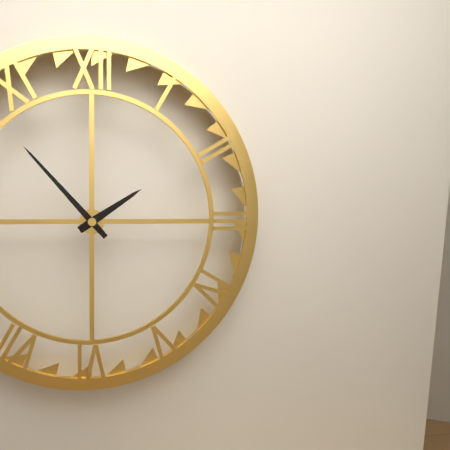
1:53
